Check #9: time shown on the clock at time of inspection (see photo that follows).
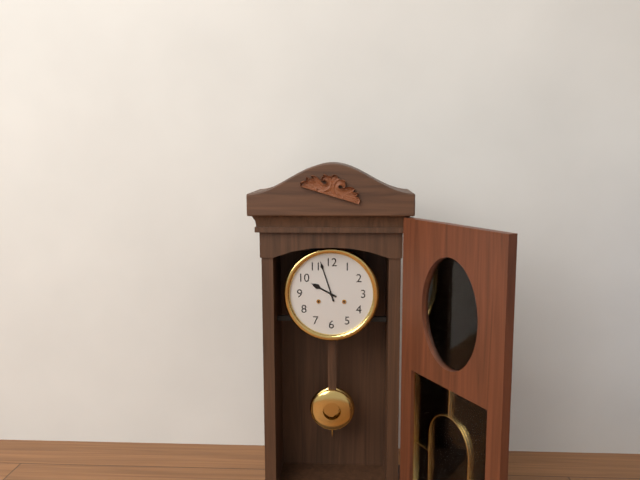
9:57
